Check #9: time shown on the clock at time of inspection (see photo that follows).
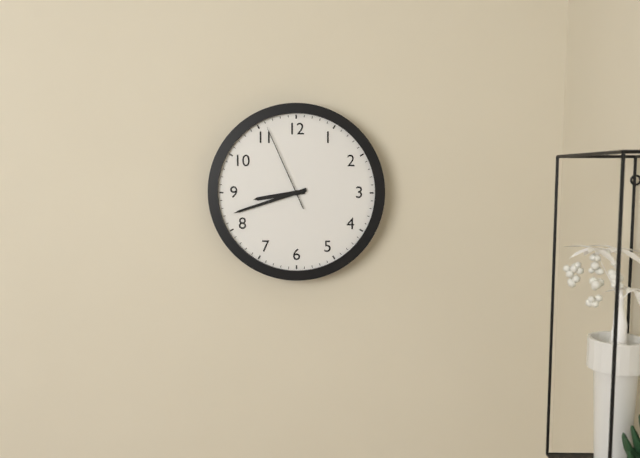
8:42:56
